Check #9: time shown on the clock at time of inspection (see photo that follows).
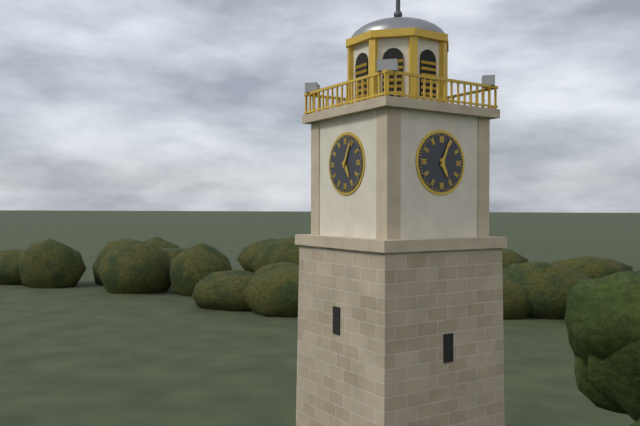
5:04
